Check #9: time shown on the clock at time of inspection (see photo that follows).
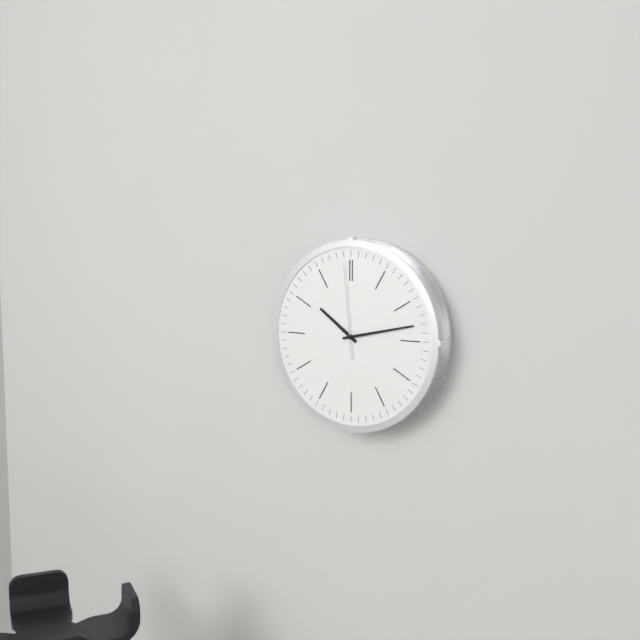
10:13:59
